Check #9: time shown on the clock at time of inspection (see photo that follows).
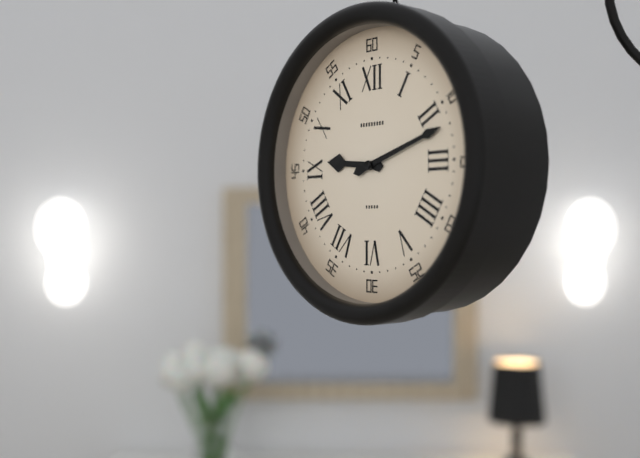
9:12
